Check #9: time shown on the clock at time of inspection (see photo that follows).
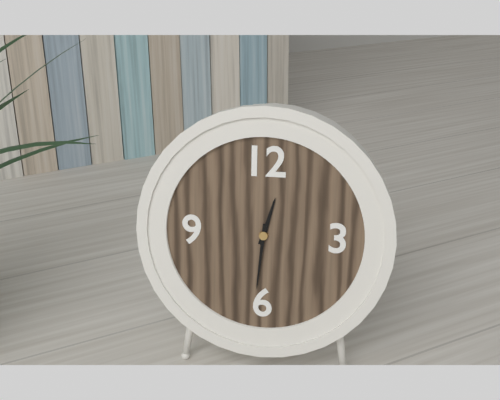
12:31
